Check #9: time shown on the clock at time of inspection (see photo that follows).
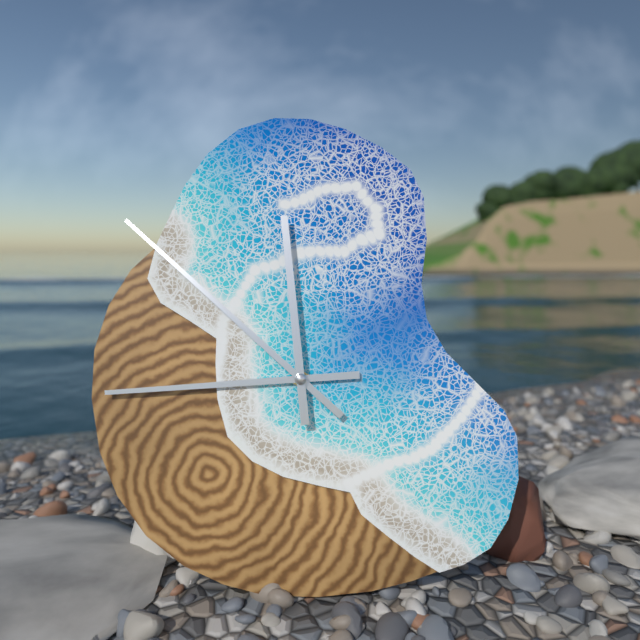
8:52:59
